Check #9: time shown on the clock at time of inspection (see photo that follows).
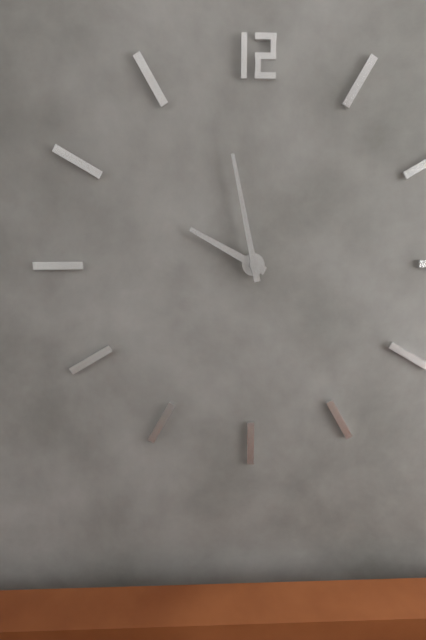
9:58
